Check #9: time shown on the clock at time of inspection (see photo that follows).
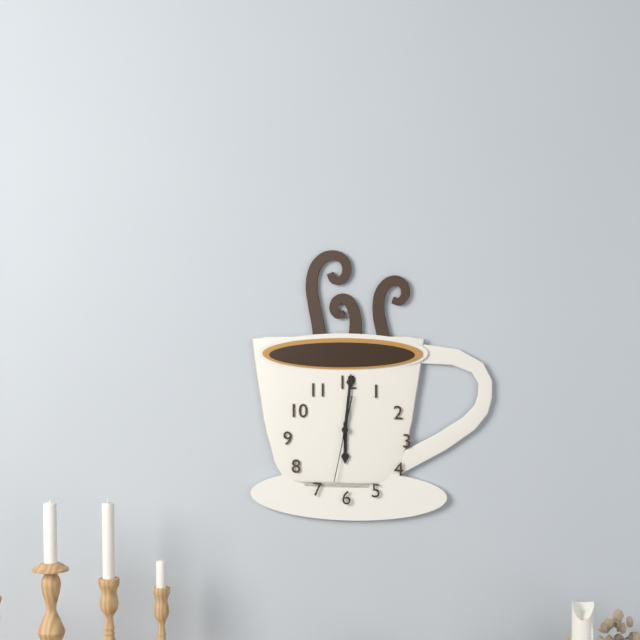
6:01:32
